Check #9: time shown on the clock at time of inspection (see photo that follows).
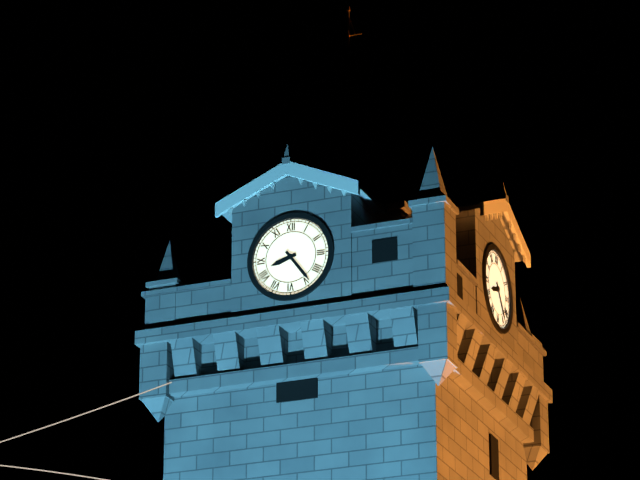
8:24
